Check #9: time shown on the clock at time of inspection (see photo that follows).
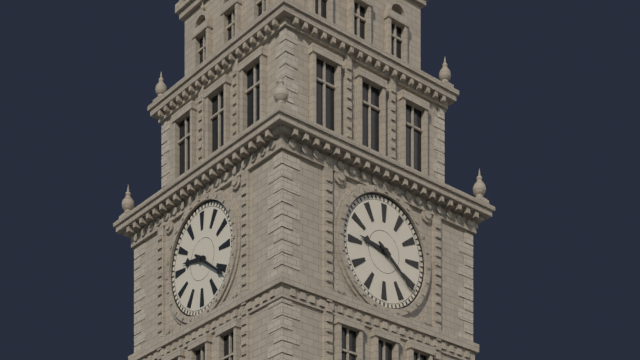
9:21
